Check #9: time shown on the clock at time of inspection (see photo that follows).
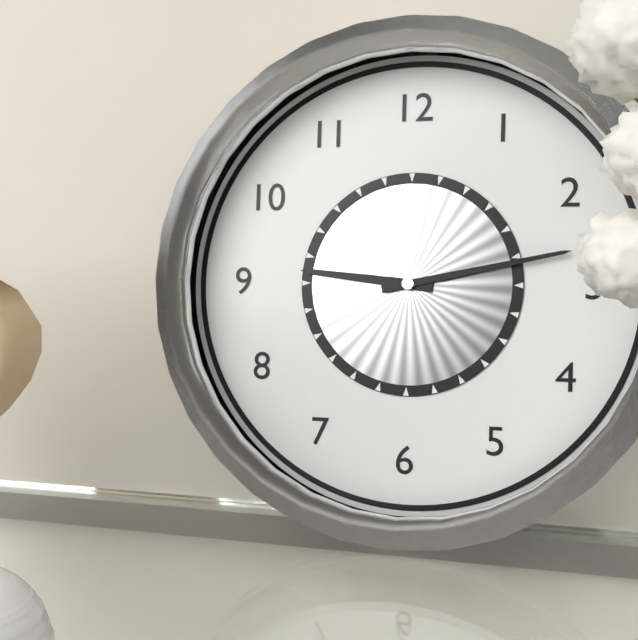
9:13
